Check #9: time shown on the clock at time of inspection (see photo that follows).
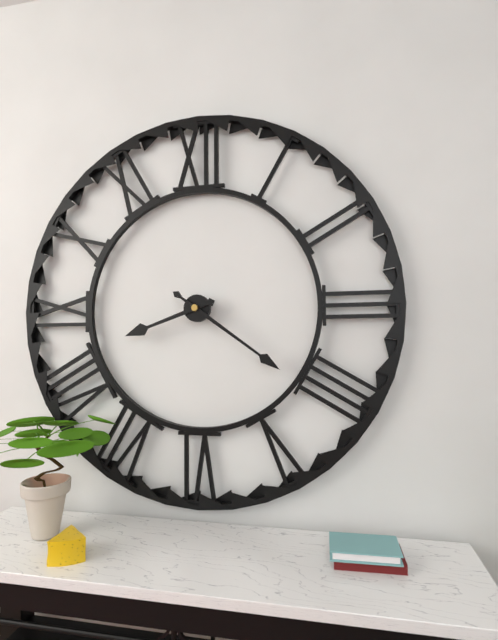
8:21
